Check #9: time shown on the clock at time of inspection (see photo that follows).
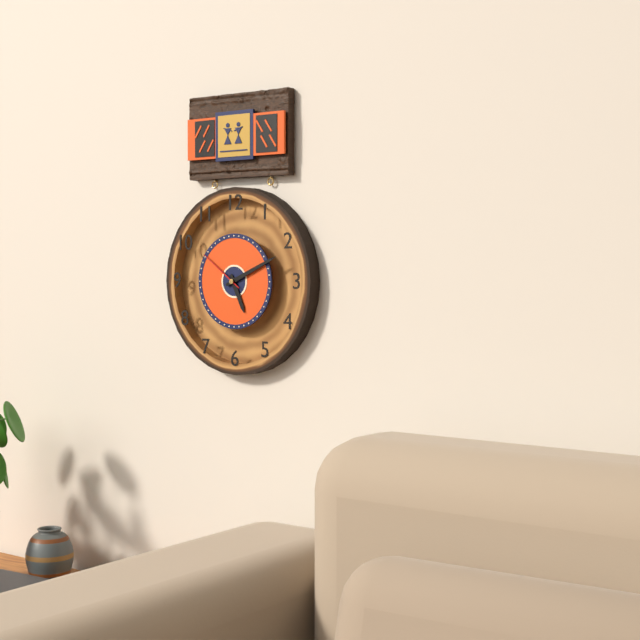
5:11
